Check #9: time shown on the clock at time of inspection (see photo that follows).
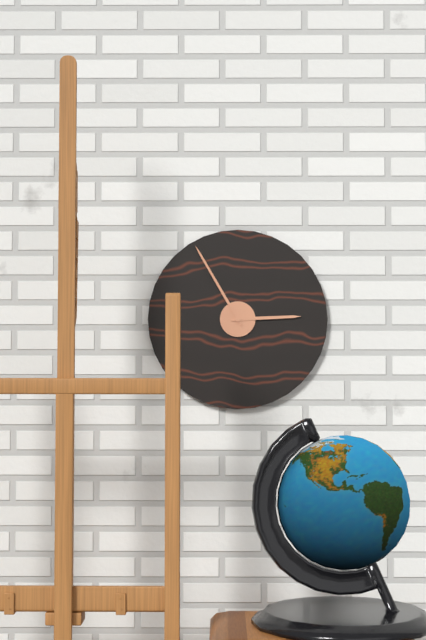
2:55
